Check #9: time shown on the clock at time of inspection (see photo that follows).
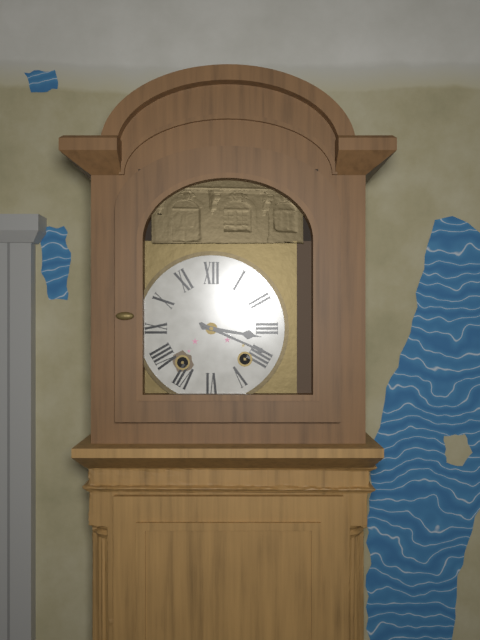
3:19
